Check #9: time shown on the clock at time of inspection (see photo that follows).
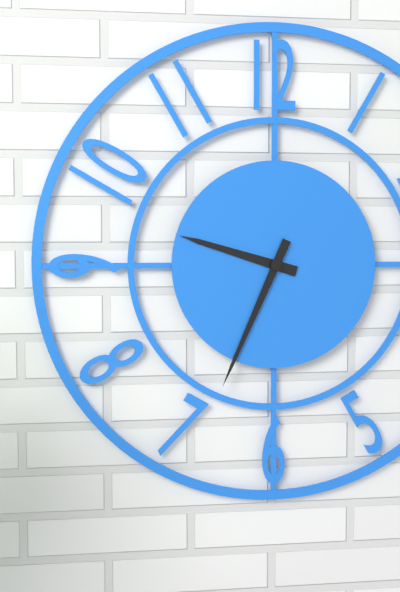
9:34
